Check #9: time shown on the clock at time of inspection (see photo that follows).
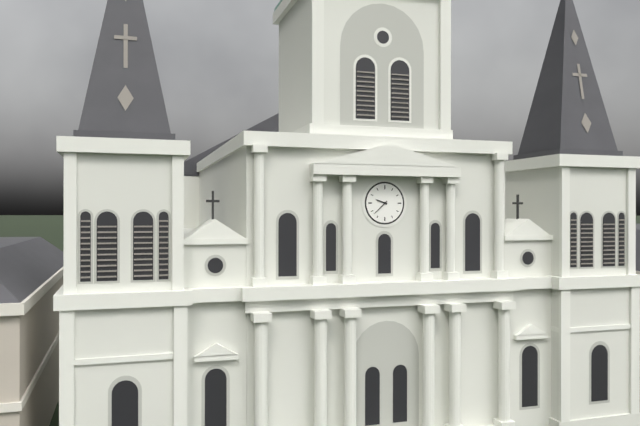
9:38
